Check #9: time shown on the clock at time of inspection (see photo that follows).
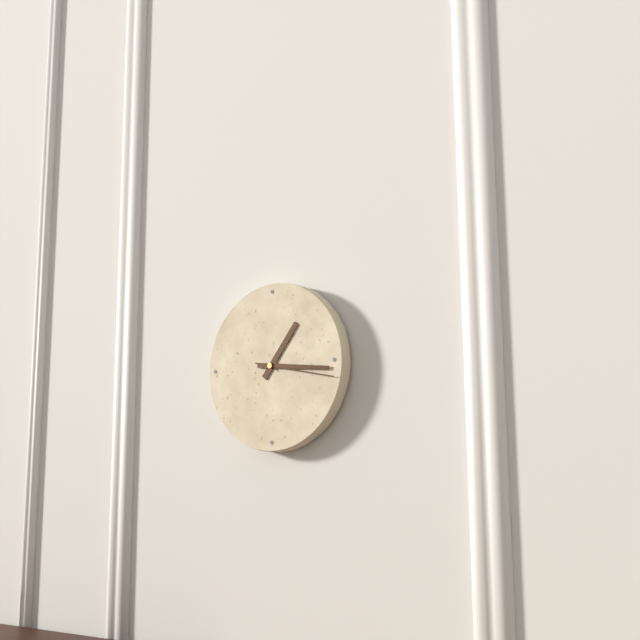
1:16:17
